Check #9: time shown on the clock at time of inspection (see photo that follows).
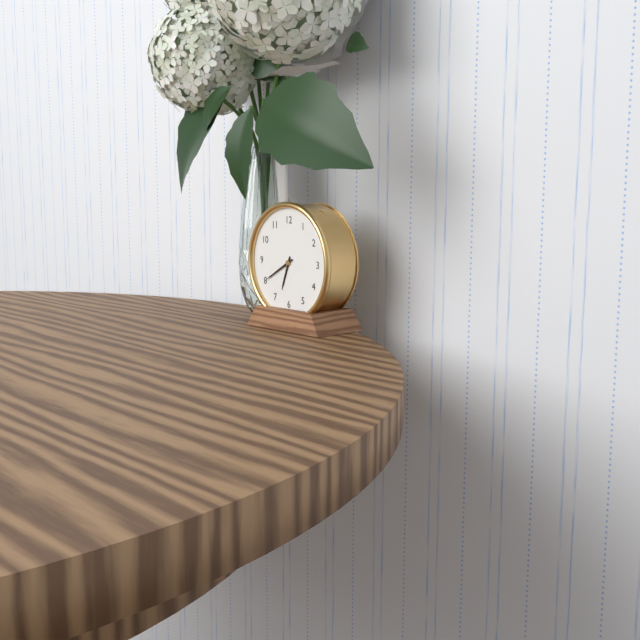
6:40
